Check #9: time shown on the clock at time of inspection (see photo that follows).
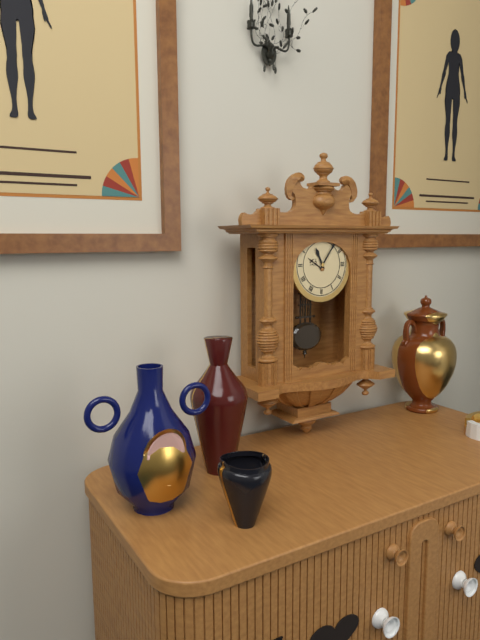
11:06
